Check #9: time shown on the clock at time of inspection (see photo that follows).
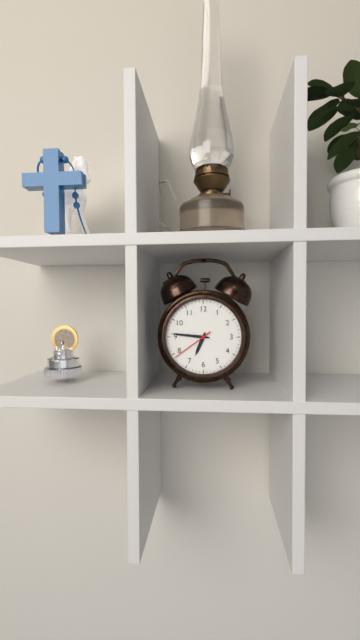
6:46
